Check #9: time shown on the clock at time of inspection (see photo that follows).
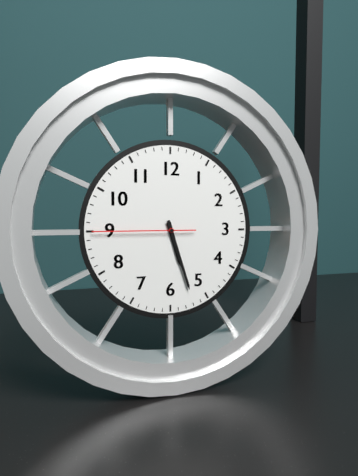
5:27:45
